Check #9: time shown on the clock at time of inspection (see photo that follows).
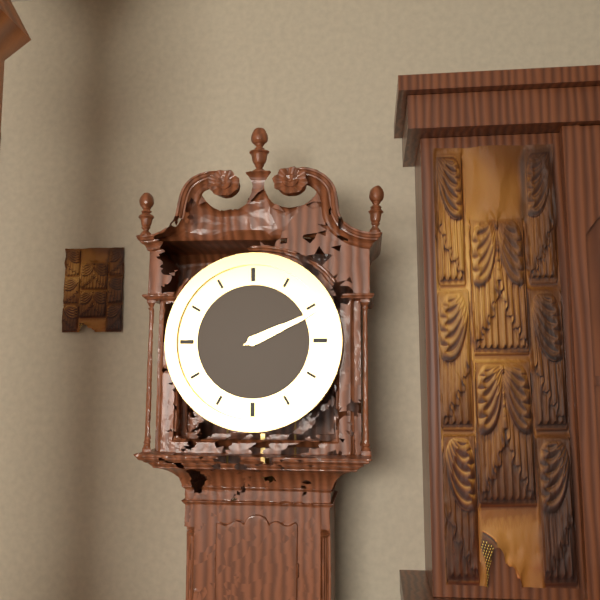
2:11
